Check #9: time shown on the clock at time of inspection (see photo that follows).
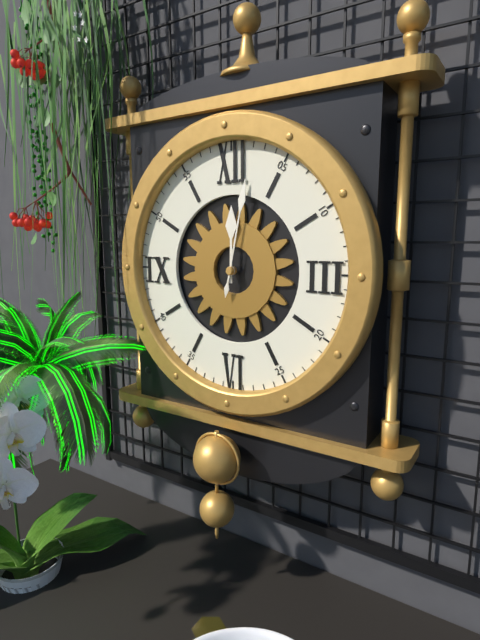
12:02
